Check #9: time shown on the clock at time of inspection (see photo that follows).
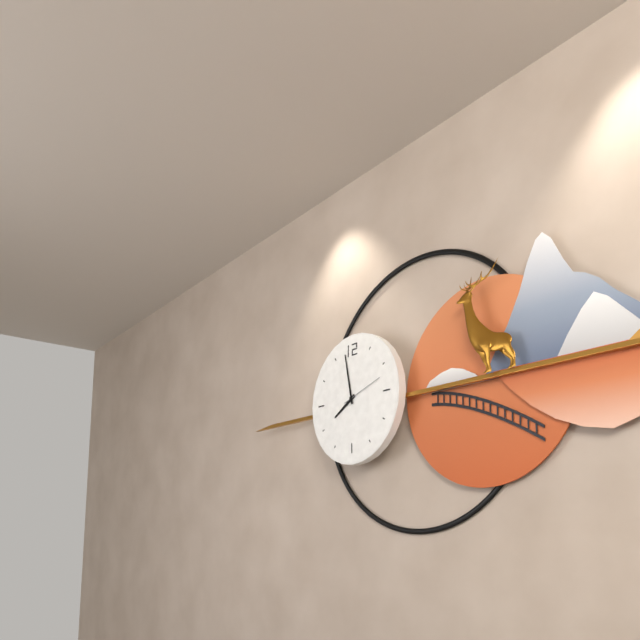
7:58
